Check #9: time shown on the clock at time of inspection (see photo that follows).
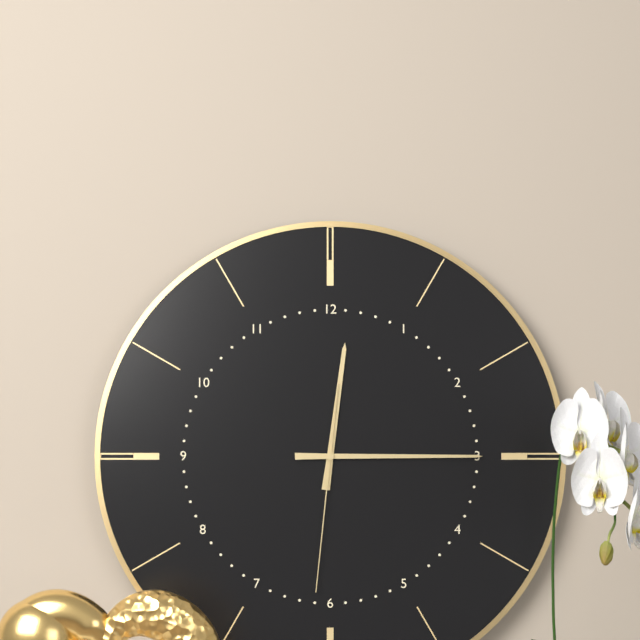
12:15:31
